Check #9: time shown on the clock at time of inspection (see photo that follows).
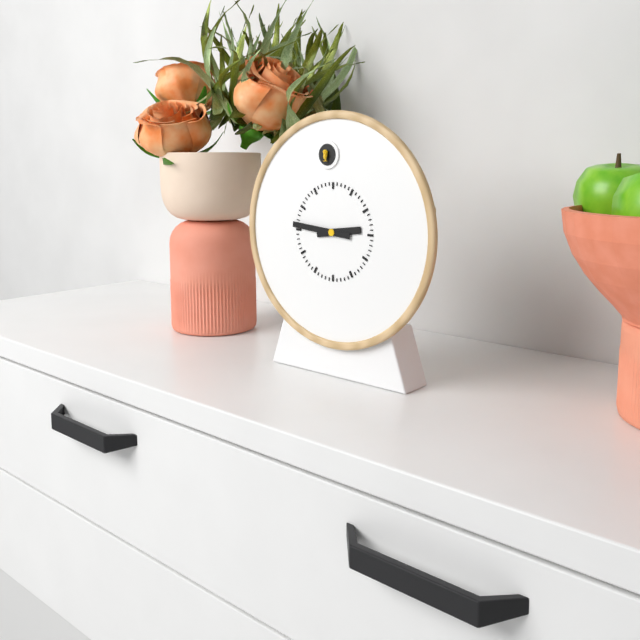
2:46
